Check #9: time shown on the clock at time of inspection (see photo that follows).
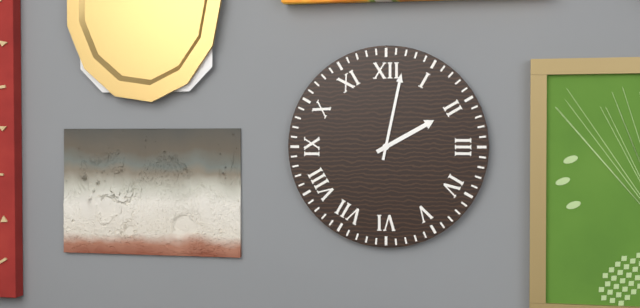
2:02
